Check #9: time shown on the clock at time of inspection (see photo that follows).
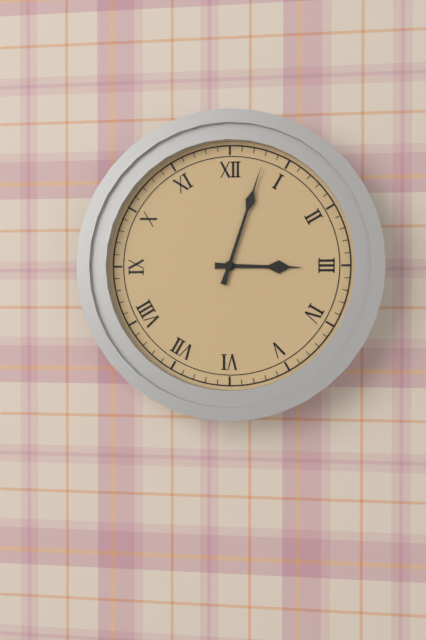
3:03
